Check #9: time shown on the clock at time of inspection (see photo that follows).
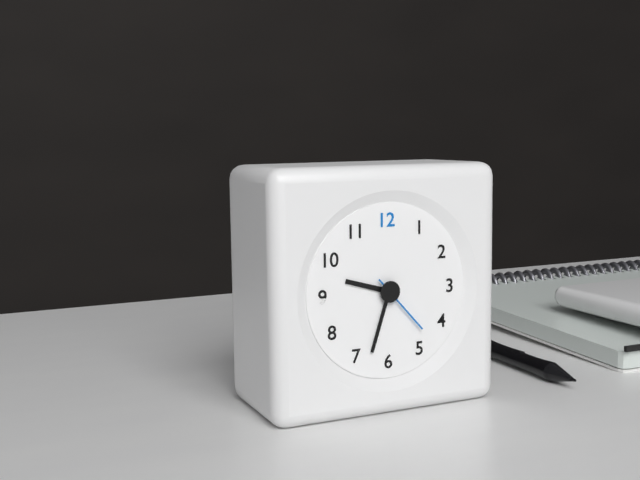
9:33:23
